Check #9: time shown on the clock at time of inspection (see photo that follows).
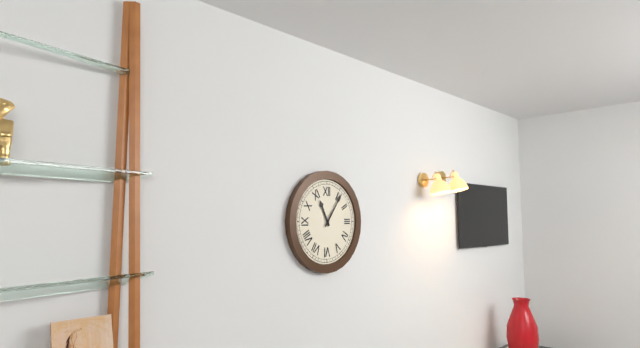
11:06
